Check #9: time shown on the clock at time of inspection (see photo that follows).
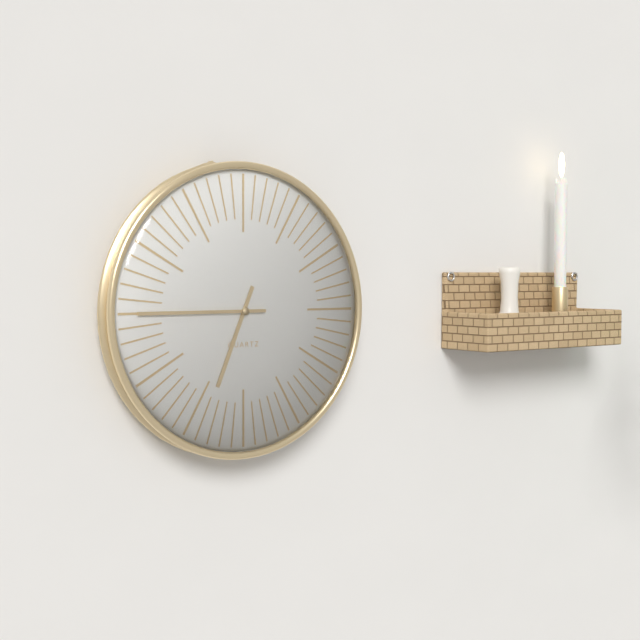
6:45
